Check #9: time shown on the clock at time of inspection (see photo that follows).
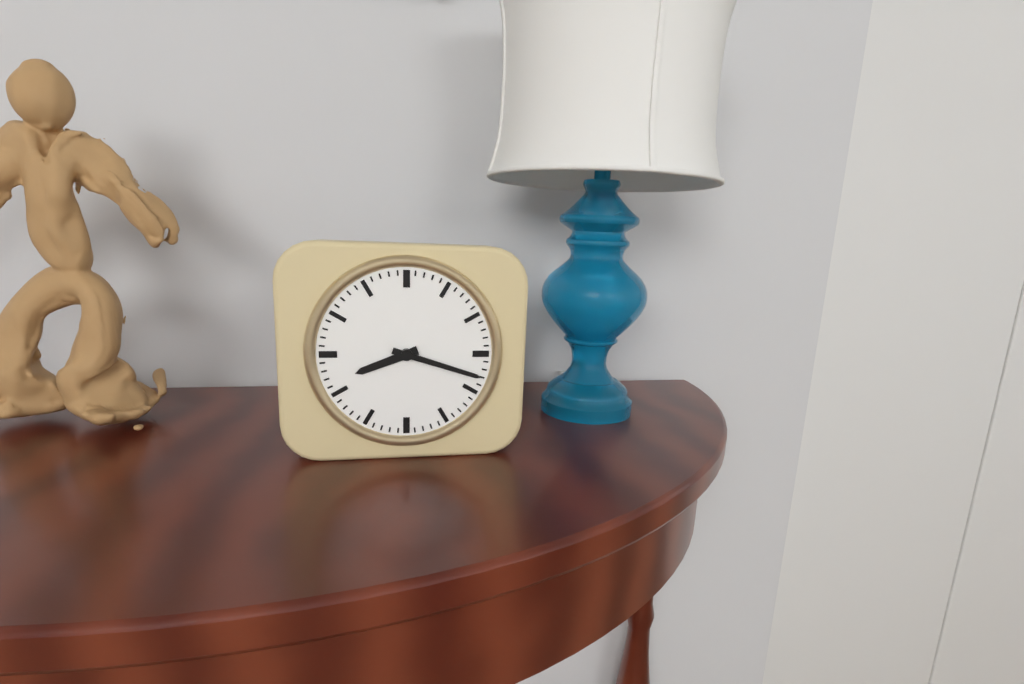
8:18
